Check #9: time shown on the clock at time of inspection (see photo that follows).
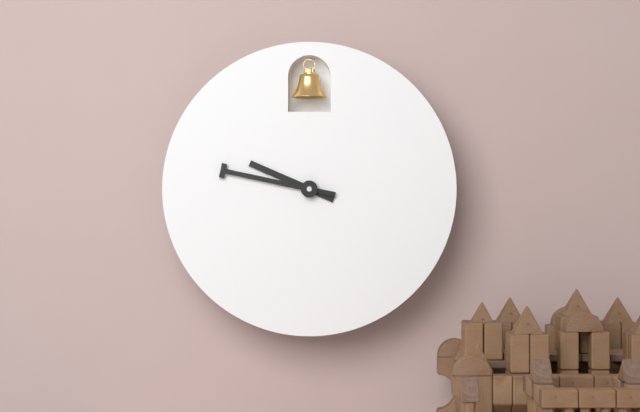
9:47
